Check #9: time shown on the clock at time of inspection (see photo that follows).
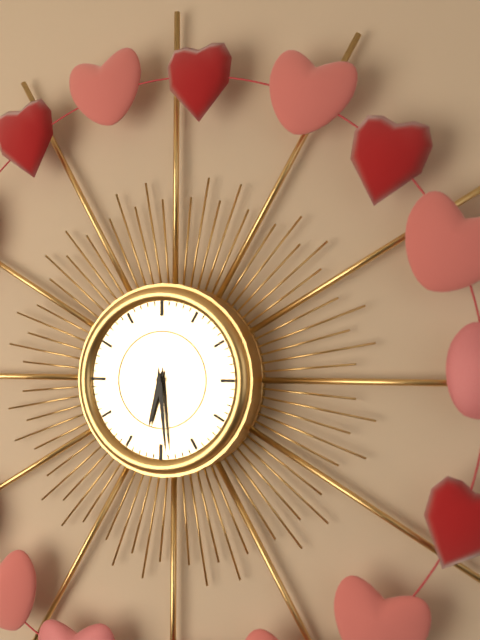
6:29
